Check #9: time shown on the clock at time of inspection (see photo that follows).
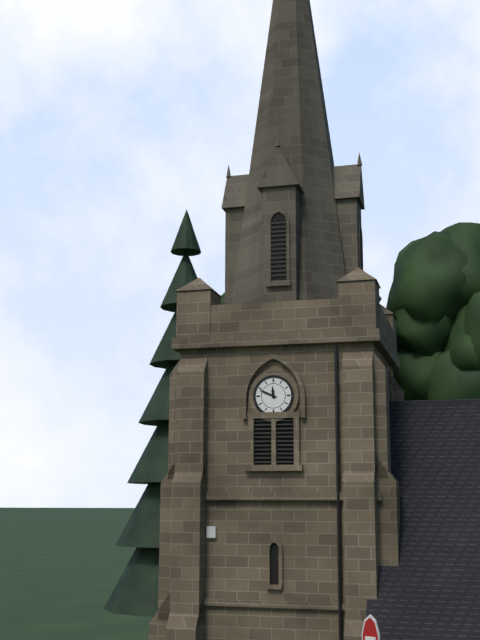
11:49
